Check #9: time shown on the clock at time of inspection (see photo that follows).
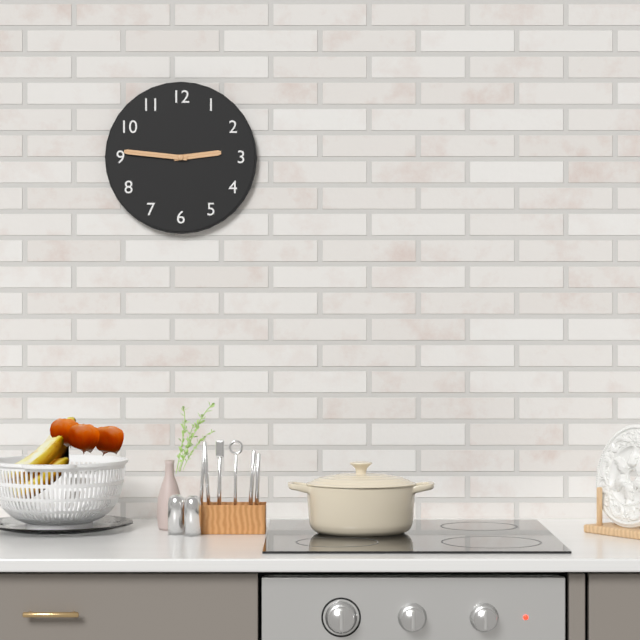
2:46
